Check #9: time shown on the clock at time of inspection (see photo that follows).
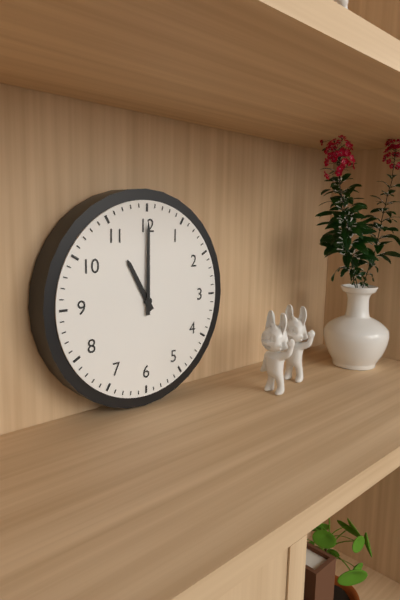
11:00
